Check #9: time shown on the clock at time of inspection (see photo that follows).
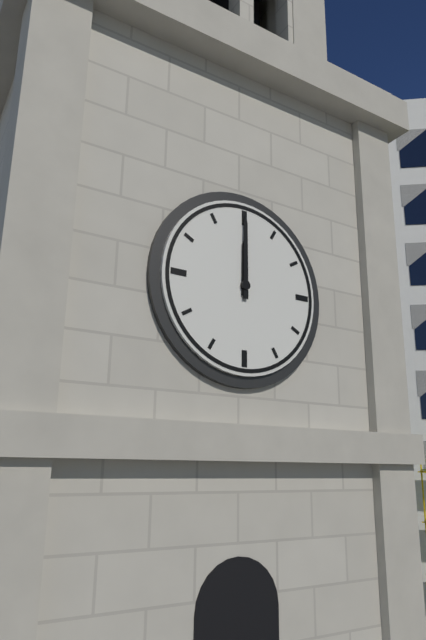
12:00
